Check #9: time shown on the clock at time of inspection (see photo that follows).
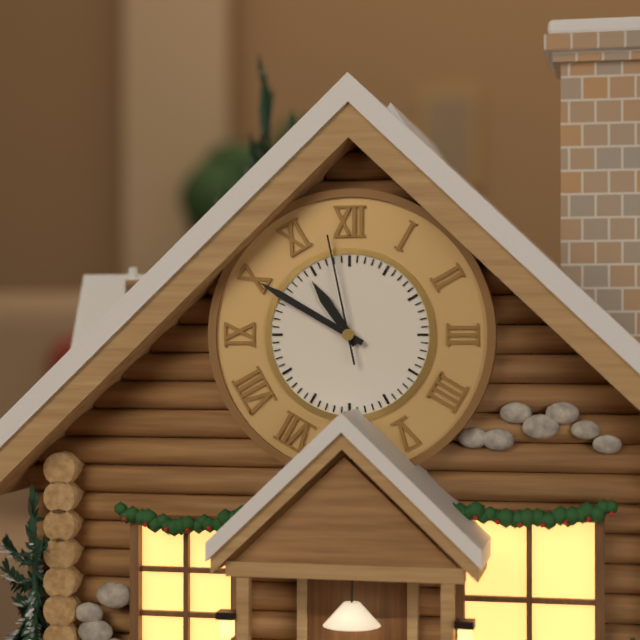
10:50:58
